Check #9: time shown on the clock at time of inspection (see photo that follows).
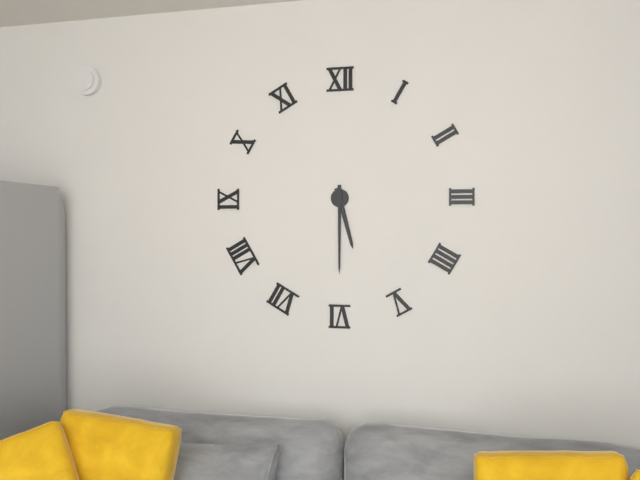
5:30
